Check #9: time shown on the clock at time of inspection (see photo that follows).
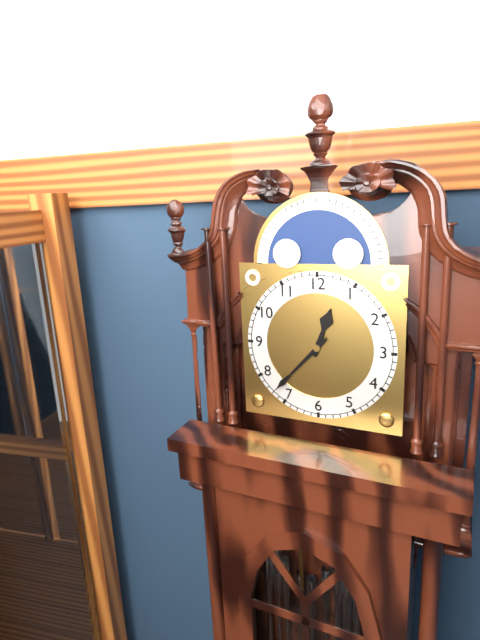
12:37
